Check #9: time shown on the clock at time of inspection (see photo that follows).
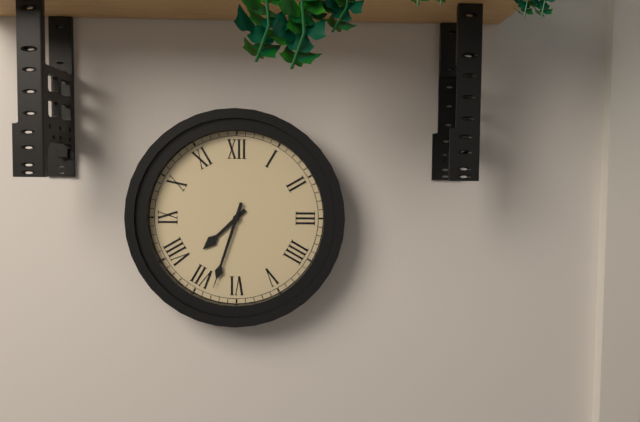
7:33
